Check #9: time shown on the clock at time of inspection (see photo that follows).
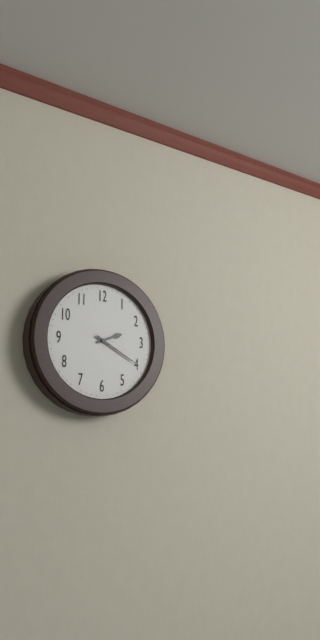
2:20
